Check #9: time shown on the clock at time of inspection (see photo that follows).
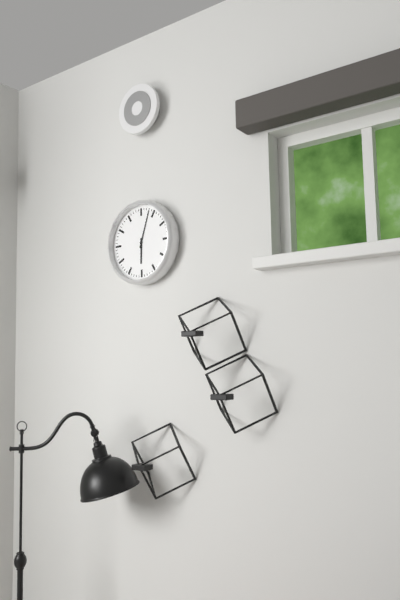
6:03
